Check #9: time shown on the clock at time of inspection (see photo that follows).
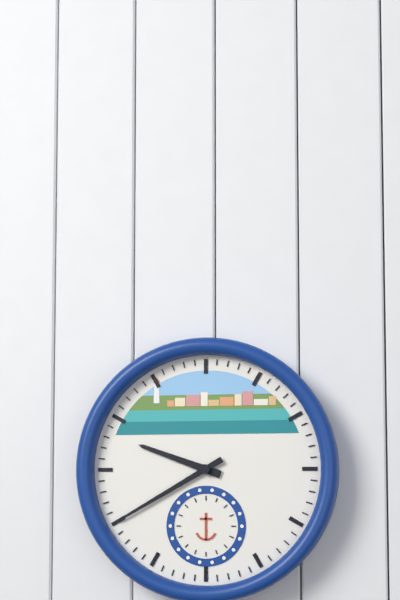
9:40
